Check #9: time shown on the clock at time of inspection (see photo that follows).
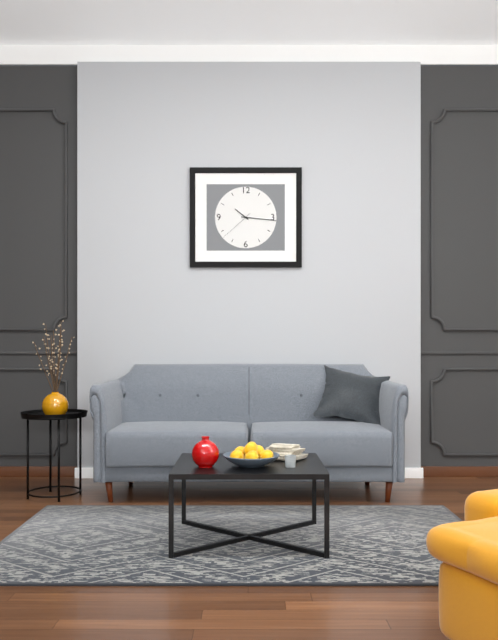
10:16
